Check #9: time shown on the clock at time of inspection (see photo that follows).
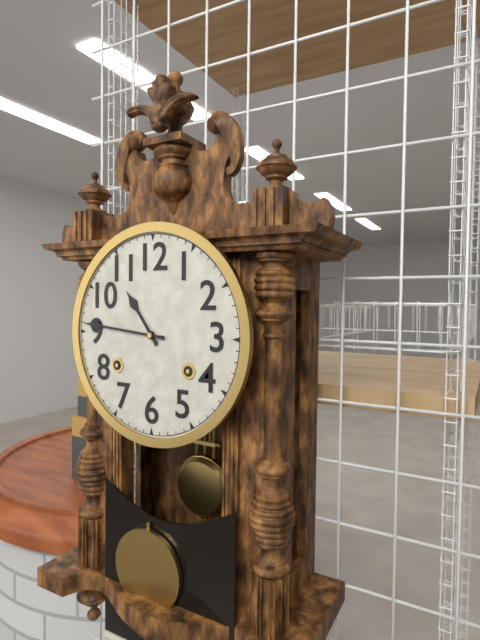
10:46
